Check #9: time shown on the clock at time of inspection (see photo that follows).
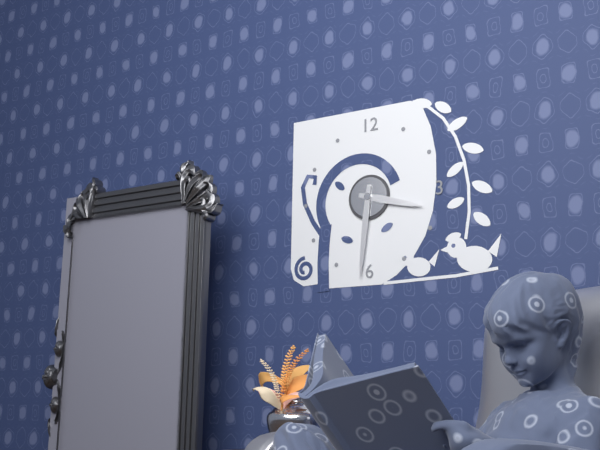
3:31
